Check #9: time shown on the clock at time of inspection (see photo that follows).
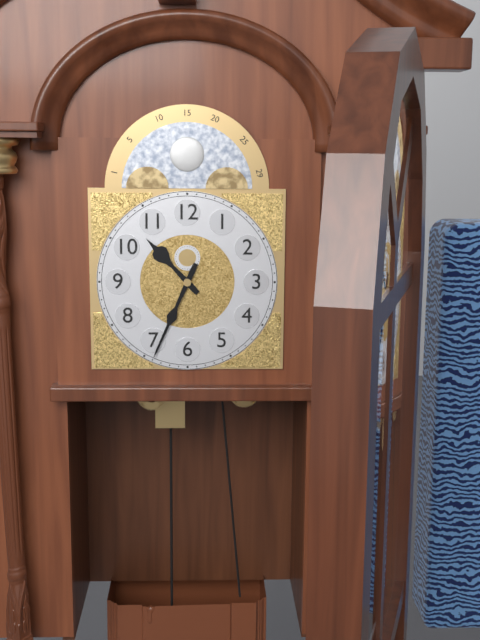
10:34
